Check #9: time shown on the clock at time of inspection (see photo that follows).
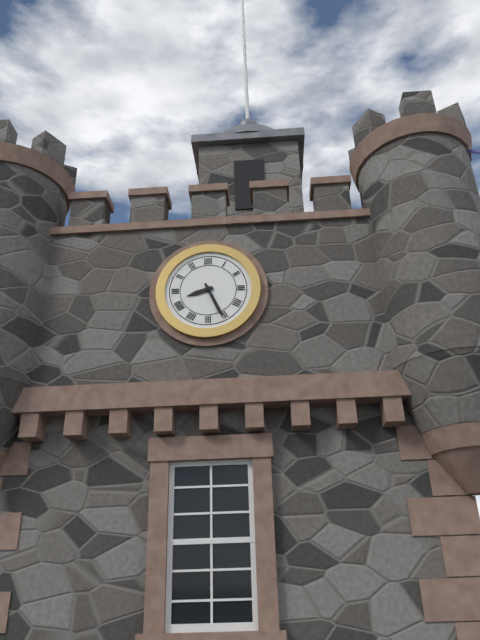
8:26
